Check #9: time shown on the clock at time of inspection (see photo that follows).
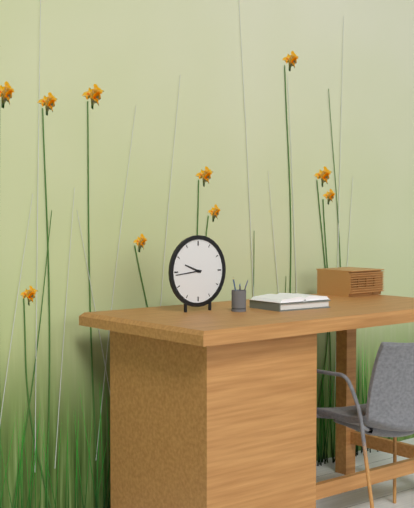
9:44
